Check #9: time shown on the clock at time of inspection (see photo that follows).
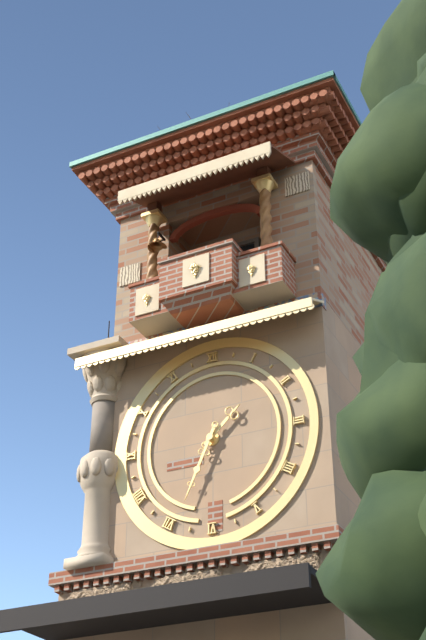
1:34
